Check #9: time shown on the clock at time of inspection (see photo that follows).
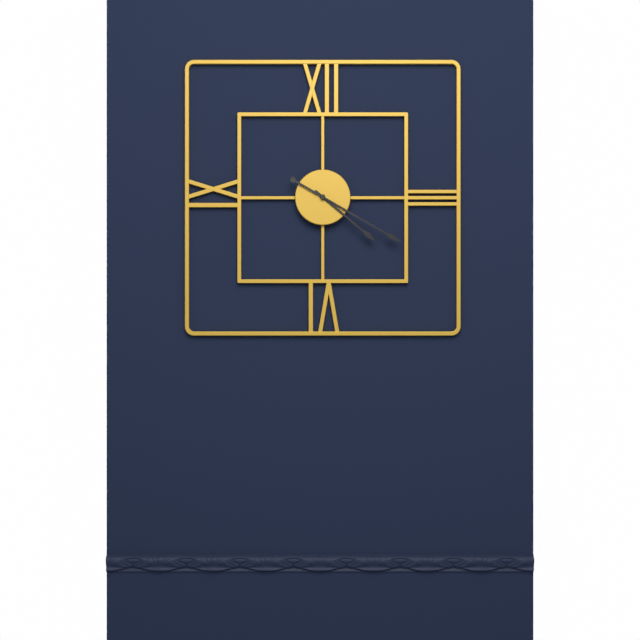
4:20
